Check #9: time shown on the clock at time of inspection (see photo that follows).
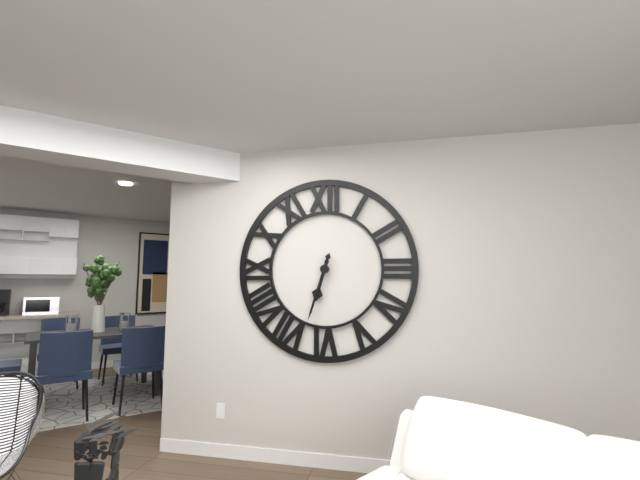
6:33
